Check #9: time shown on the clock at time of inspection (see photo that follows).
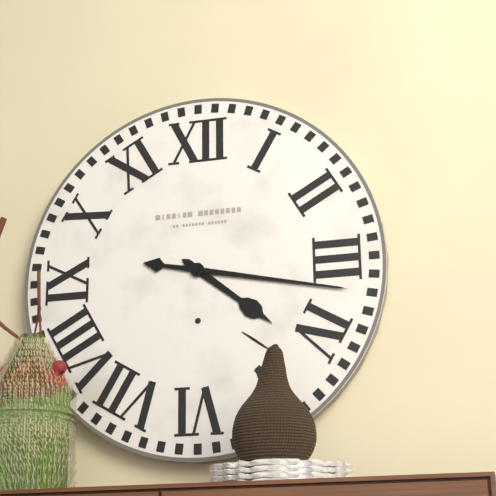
4:17
